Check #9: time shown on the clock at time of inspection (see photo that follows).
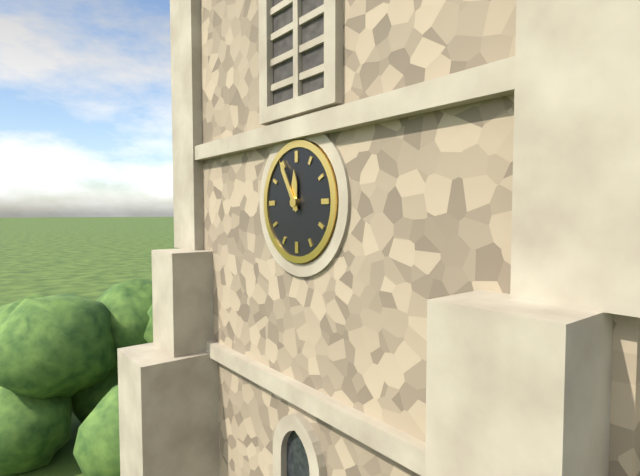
11:55
